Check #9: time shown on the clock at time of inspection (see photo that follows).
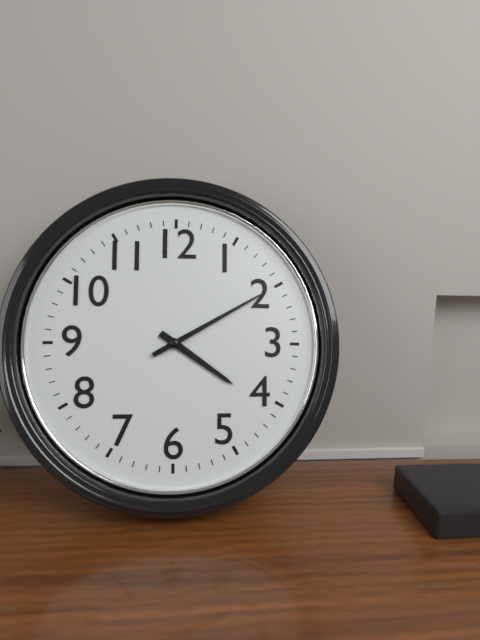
4:10
